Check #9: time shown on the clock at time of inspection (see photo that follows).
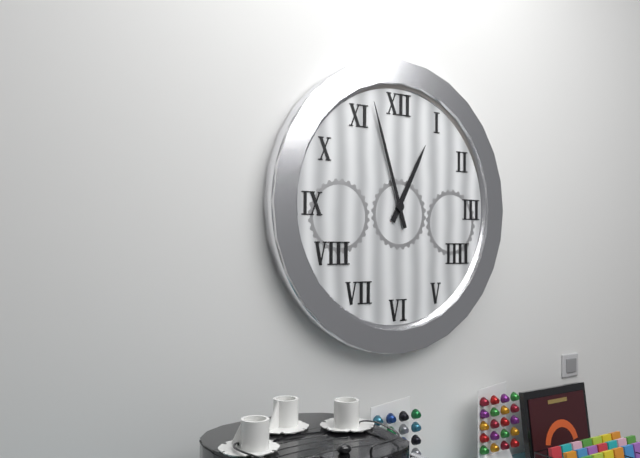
12:57
